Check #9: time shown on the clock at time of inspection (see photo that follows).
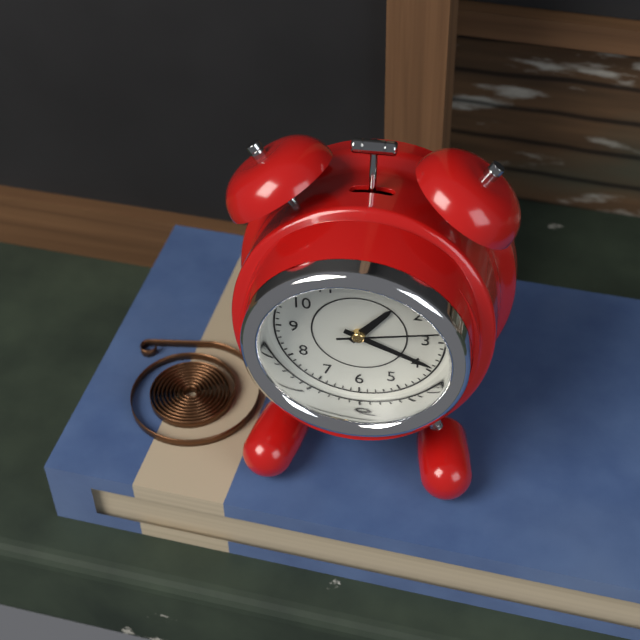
1:19:13
